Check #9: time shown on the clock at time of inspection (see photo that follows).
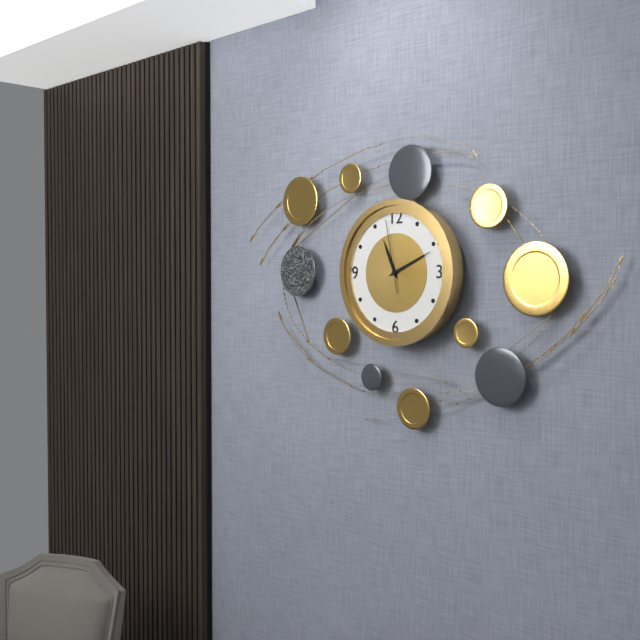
11:11:58
